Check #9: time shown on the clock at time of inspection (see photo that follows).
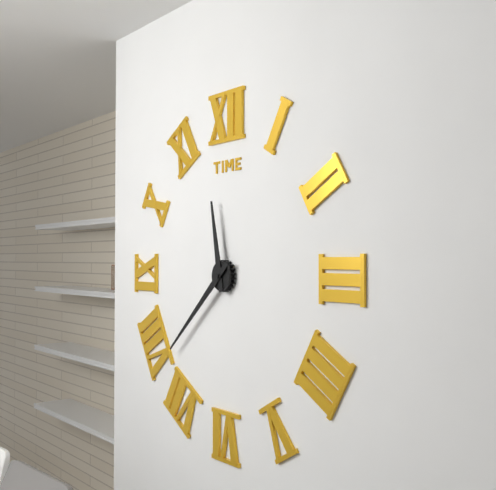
11:38
